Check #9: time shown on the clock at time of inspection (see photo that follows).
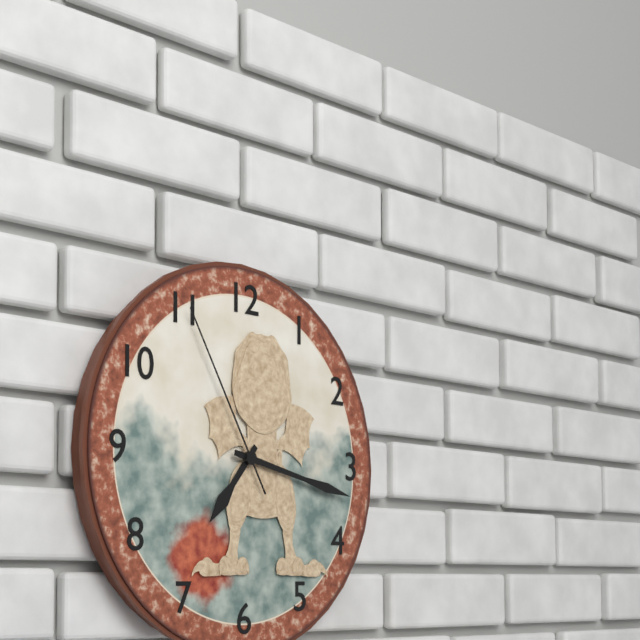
7:17:55
